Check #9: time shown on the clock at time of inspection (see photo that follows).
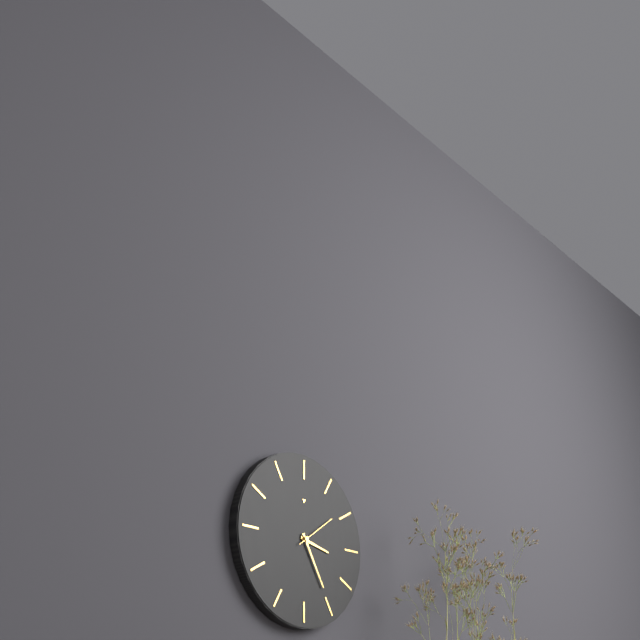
3:25
